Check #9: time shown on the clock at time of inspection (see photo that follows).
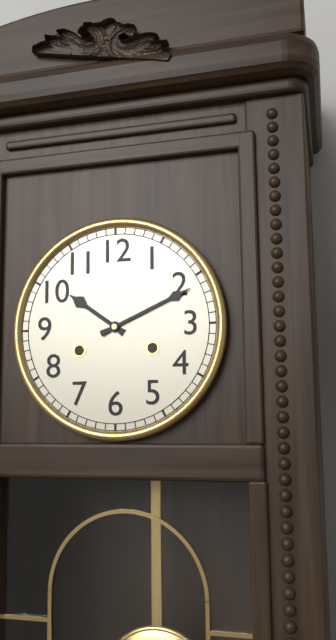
10:11
